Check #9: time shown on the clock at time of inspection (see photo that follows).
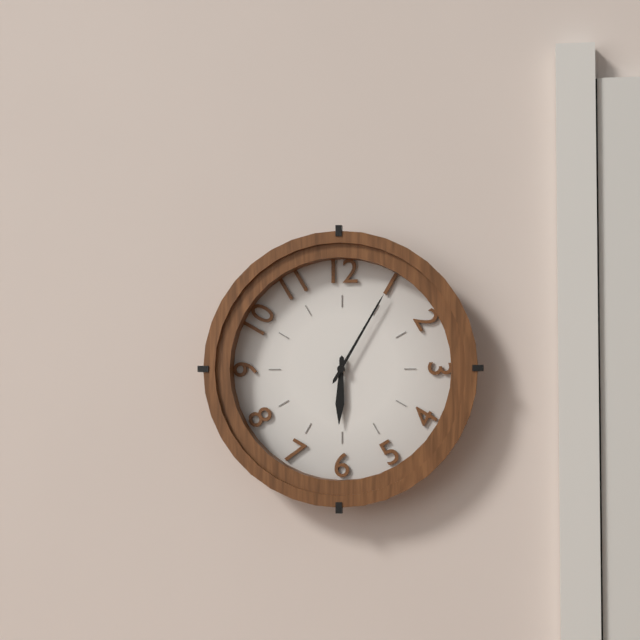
6:05
